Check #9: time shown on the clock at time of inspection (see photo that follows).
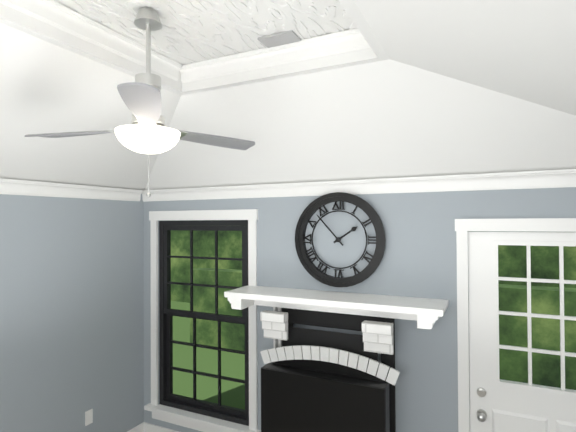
1:53
